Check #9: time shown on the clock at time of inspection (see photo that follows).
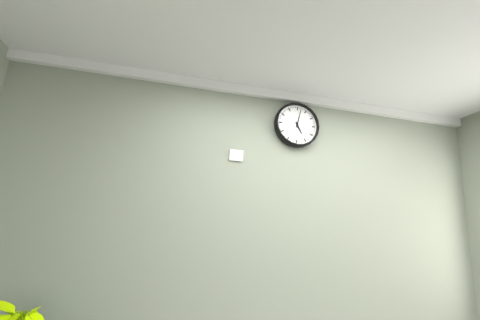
5:02
